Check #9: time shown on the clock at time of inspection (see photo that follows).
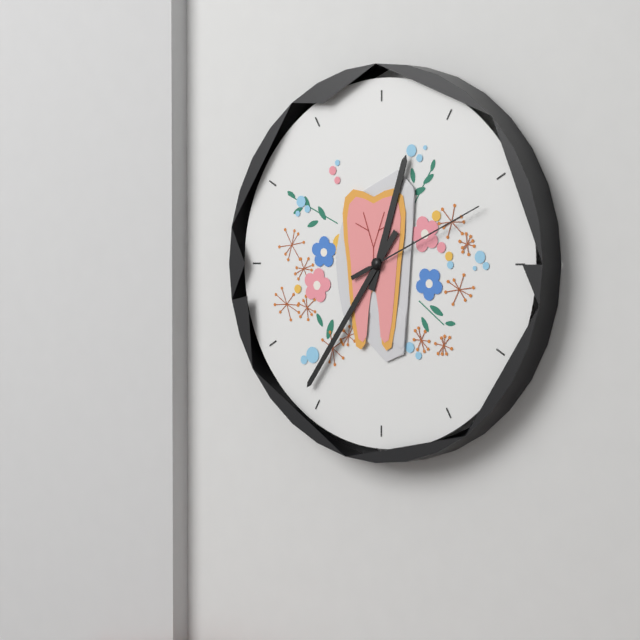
12:36:11
